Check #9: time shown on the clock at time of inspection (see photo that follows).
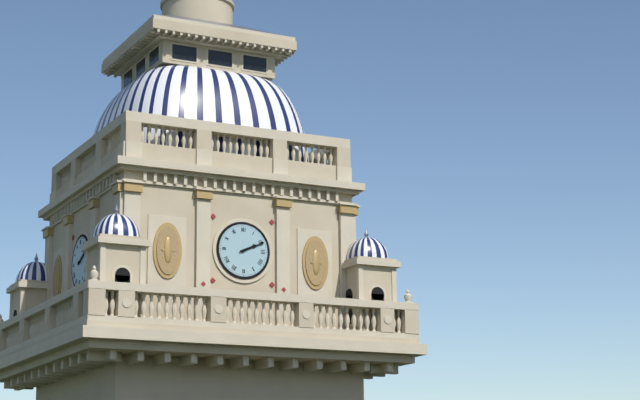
2:11
